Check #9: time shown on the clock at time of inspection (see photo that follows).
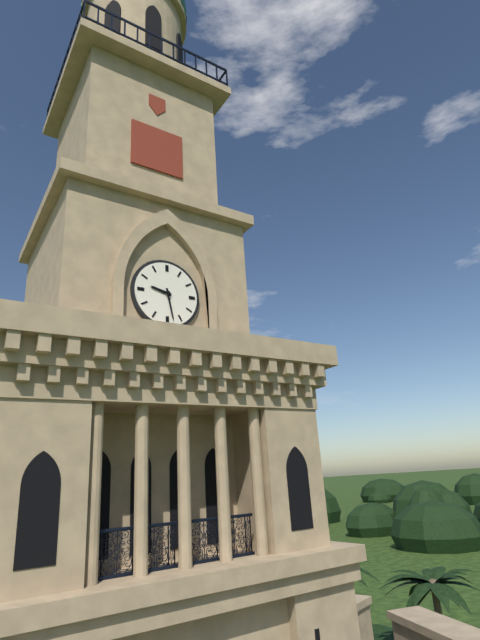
9:28
